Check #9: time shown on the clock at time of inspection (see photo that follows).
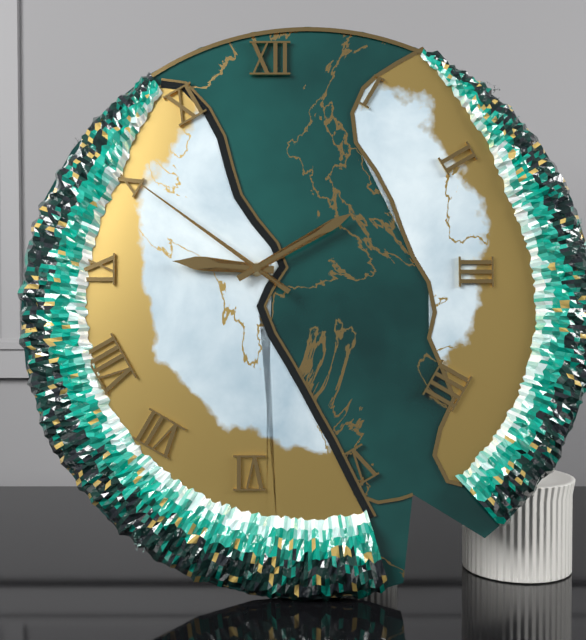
9:10:51
